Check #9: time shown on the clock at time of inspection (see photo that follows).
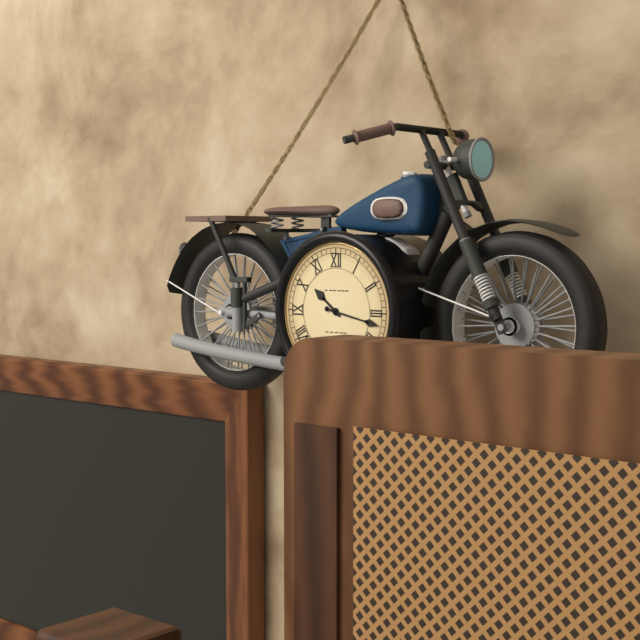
10:17
